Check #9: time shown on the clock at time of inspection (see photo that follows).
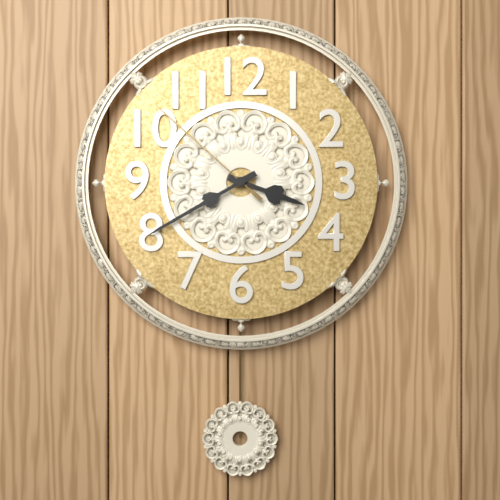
3:40:52
